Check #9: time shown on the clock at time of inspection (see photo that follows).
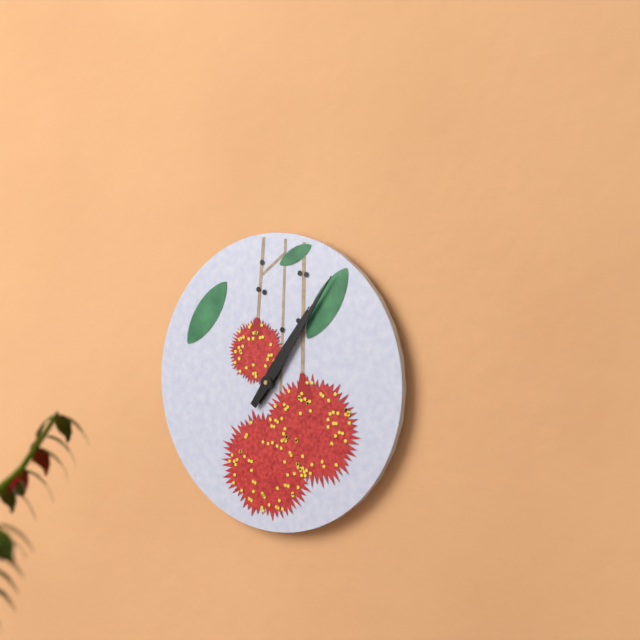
1:06
